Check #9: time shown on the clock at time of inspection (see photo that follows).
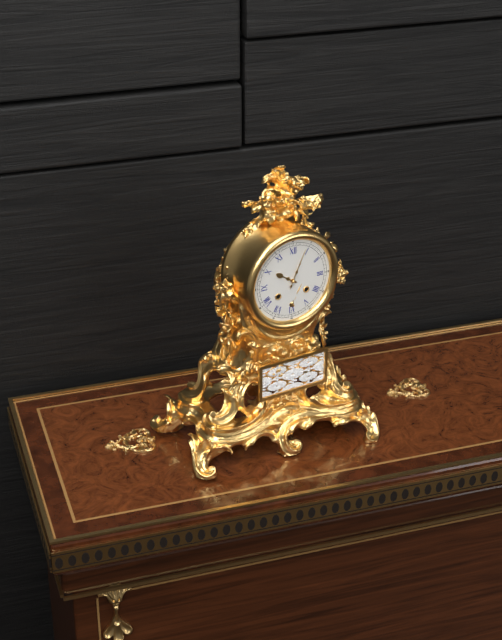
10:04
